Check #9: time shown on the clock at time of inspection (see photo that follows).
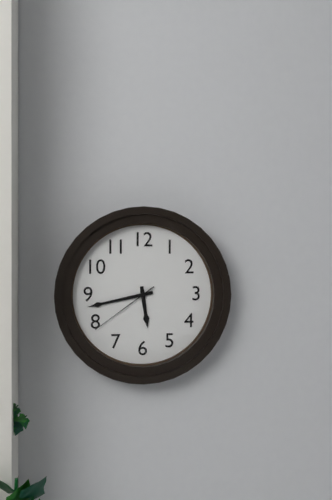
5:43:39
